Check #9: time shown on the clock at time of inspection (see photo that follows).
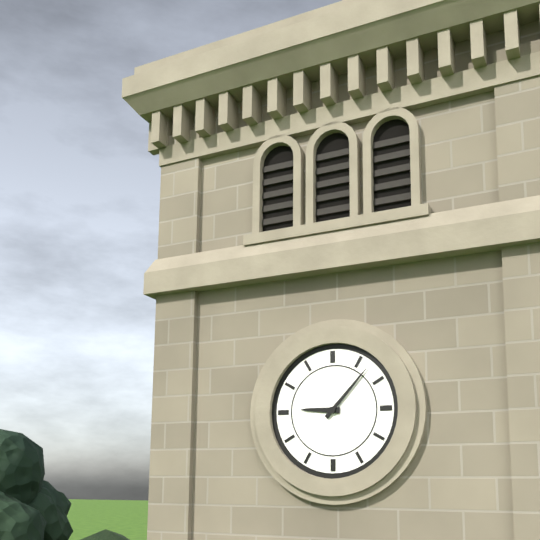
9:07
